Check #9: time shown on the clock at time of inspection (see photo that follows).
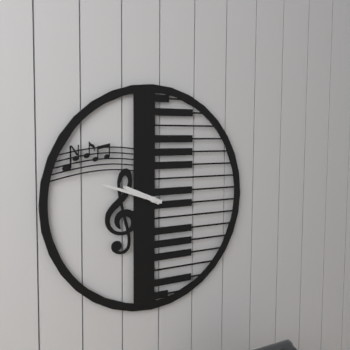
9:48
